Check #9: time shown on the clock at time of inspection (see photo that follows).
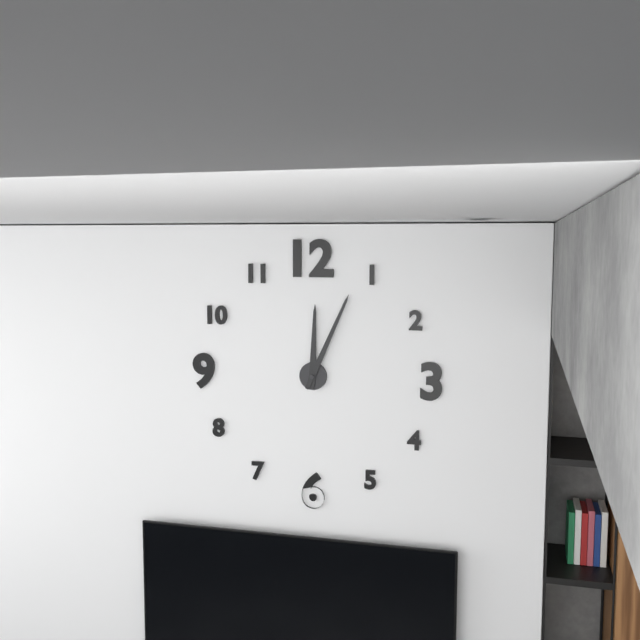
12:04
